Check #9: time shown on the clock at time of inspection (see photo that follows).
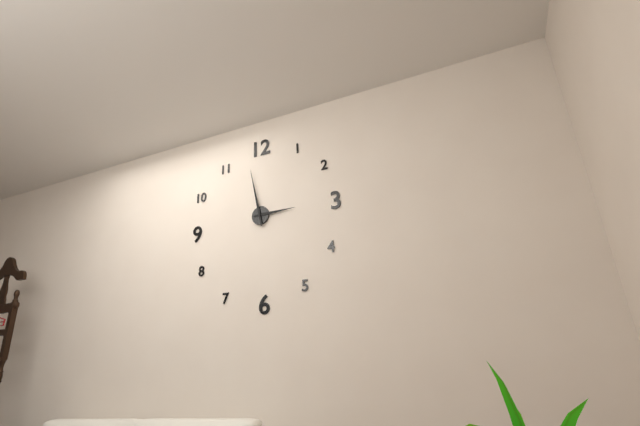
2:58
